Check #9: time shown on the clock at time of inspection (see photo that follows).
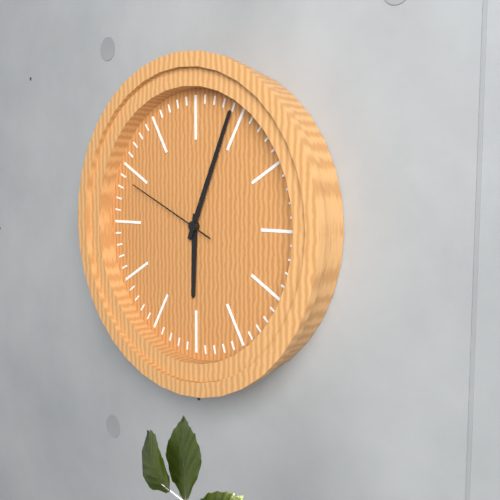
6:04:49
